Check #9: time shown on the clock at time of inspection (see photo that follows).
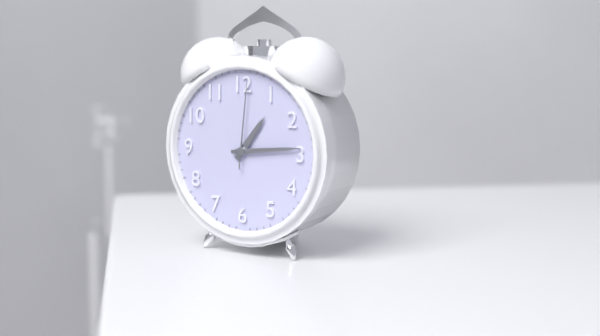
1:14:01
